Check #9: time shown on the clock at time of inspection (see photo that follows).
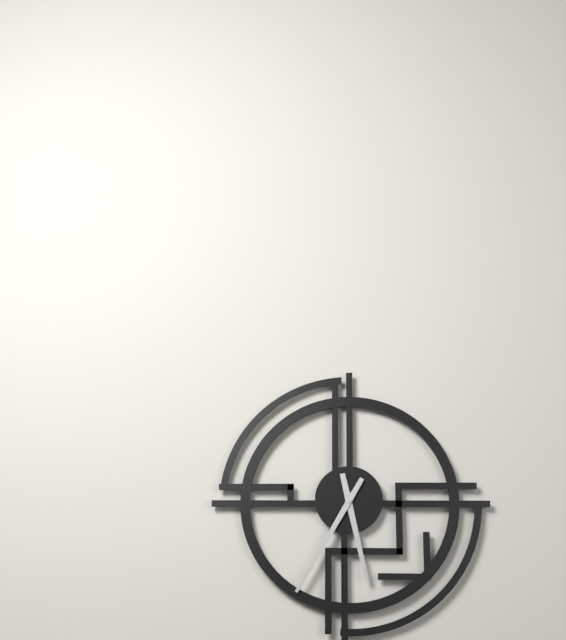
5:35
